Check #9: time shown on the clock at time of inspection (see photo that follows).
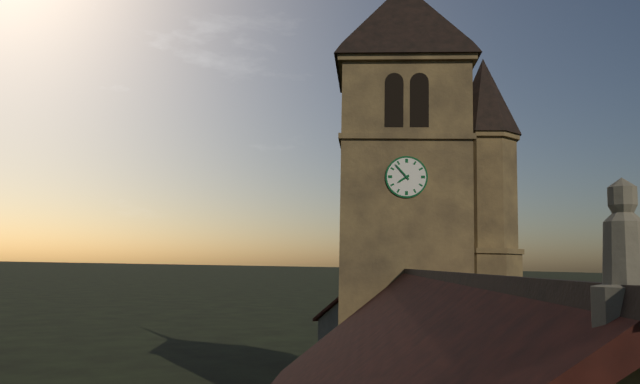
7:53
